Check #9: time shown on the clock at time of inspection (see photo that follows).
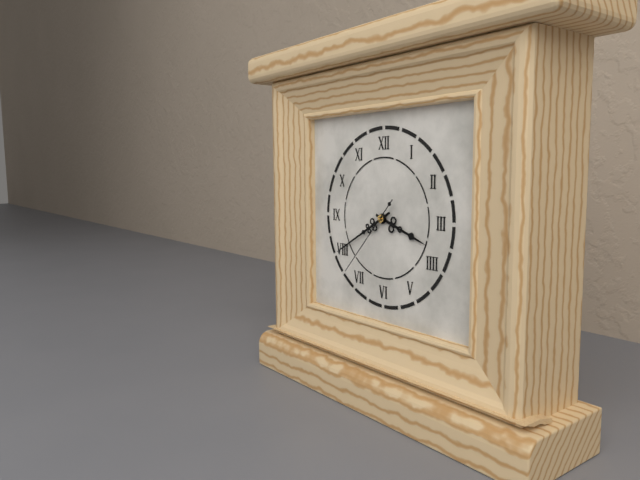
3:40:37
